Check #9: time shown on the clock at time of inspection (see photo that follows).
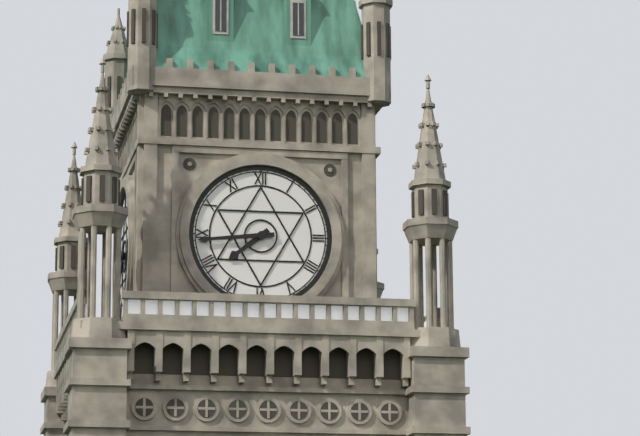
7:44
